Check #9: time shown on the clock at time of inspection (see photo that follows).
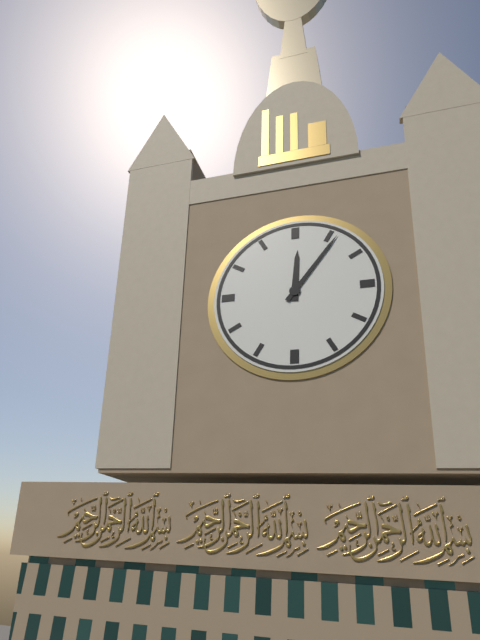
12:06
